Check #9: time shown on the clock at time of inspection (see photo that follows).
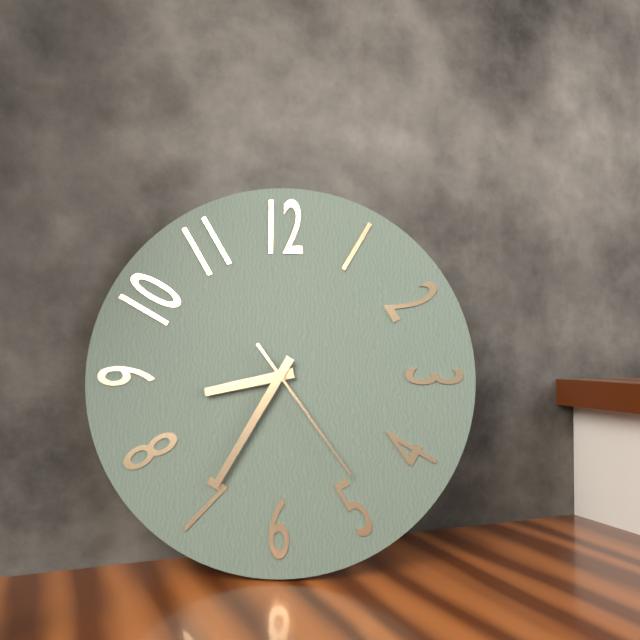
8:35:24
